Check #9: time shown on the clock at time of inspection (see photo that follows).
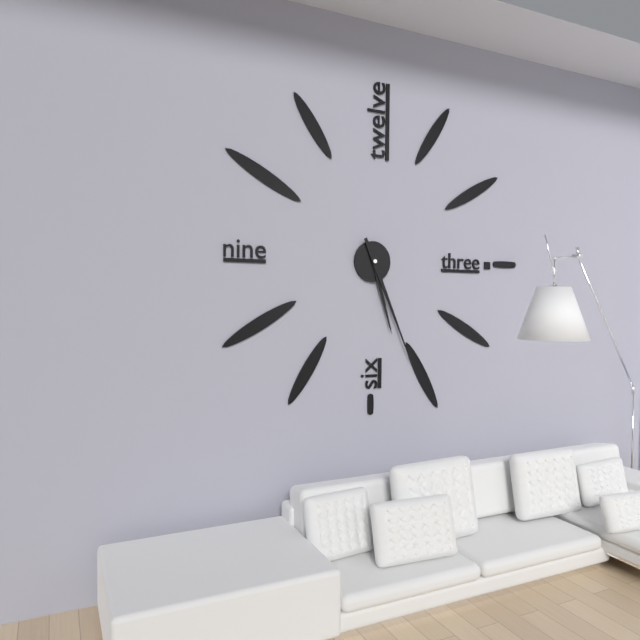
5:26
